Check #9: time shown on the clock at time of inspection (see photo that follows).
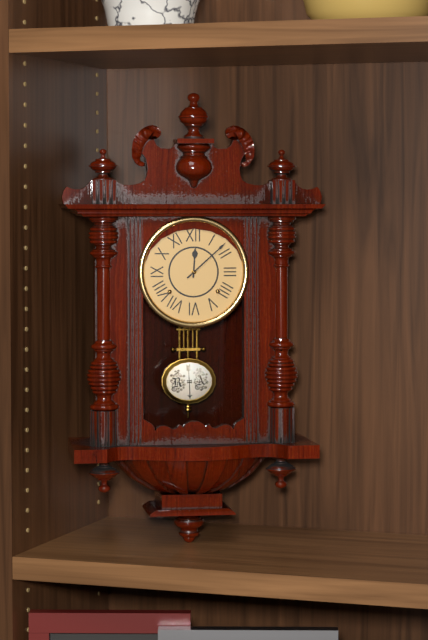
12:08
